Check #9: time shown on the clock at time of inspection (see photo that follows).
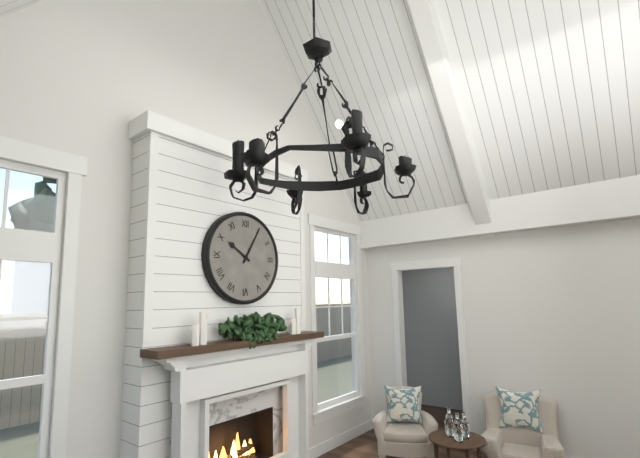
10:05
